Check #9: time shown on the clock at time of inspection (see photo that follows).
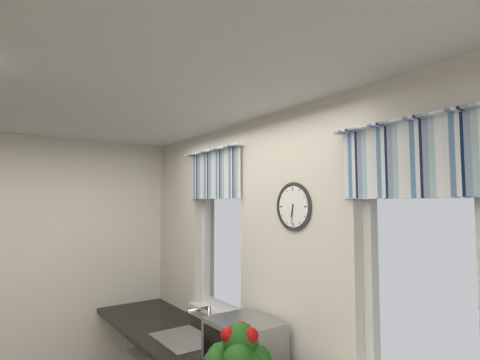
6:31
